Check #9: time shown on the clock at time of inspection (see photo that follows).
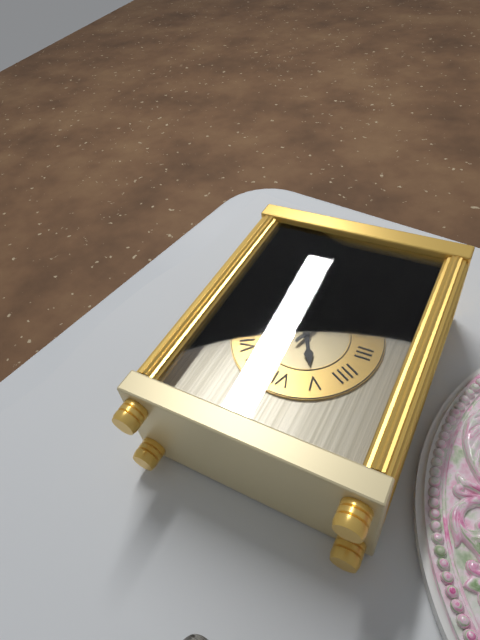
5:03
